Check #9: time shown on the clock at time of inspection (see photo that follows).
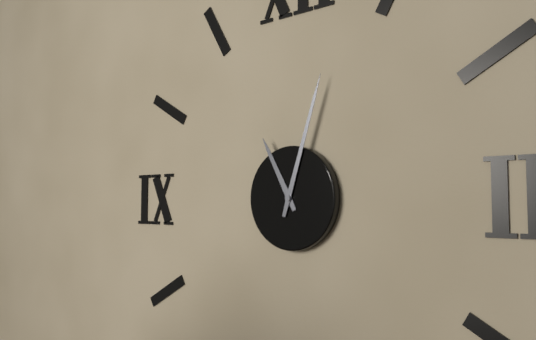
11:03
